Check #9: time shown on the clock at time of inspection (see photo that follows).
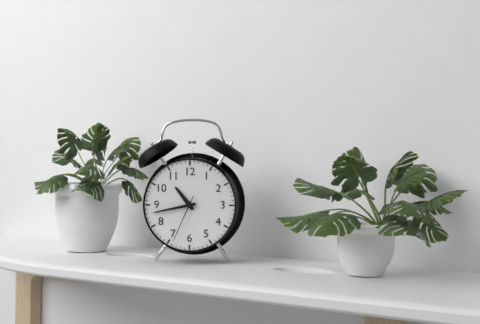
10:43:34
